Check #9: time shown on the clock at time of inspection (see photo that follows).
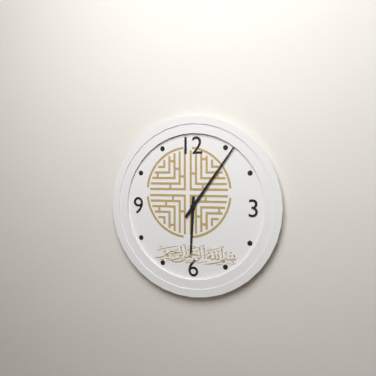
6:06
